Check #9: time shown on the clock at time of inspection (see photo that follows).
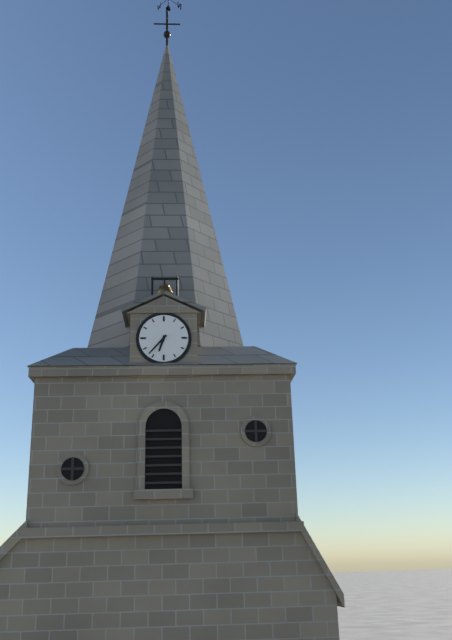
6:37
